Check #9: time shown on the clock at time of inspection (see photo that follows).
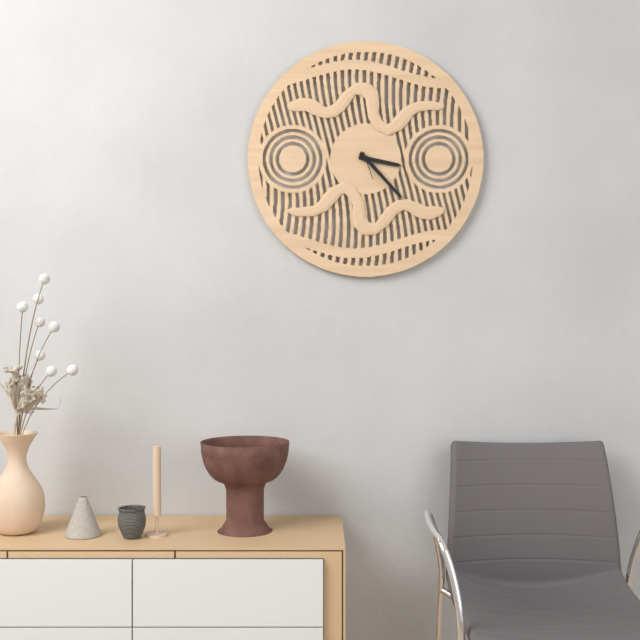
3:23
